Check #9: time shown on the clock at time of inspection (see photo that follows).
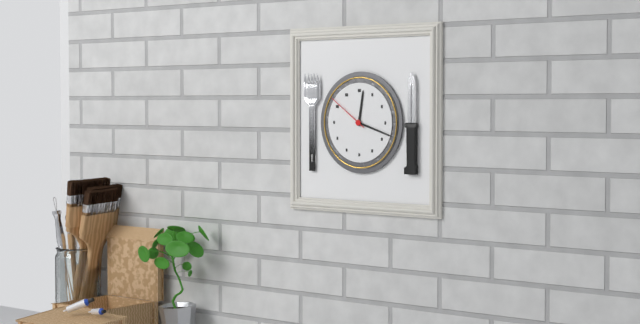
12:18
